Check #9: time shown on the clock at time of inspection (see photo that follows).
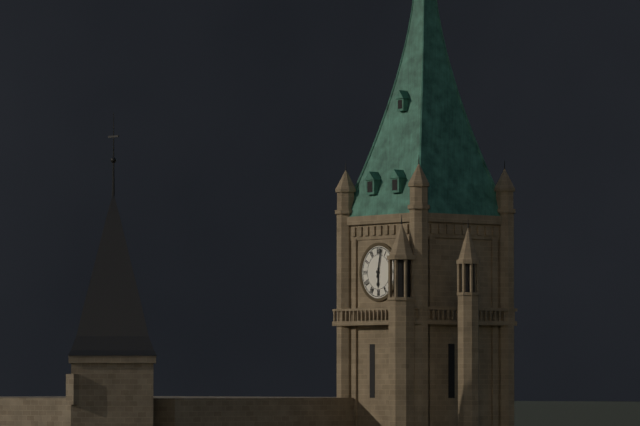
6:02
